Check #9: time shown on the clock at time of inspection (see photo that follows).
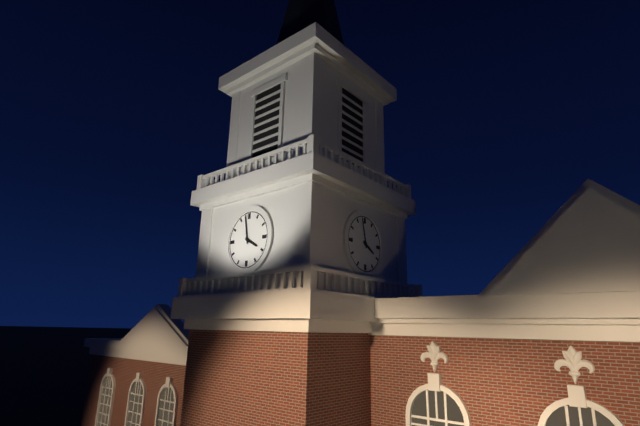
3:58
